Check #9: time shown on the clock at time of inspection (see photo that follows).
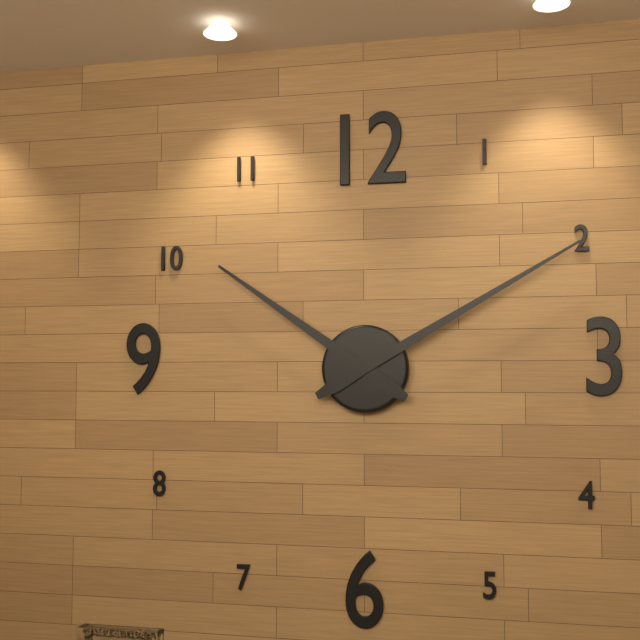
10:10
